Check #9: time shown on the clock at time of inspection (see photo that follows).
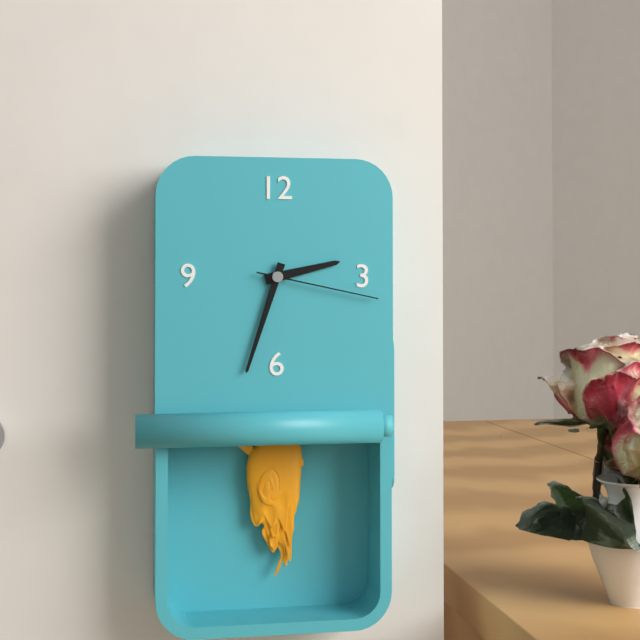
2:33:17
